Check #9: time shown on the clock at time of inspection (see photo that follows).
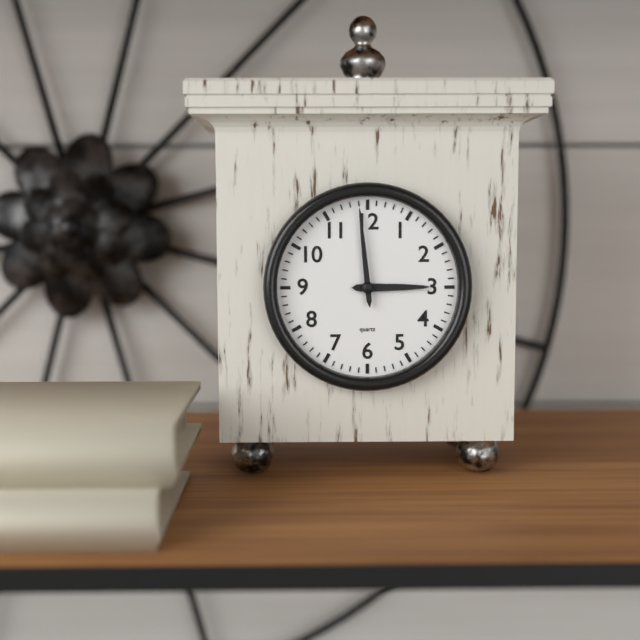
2:59
